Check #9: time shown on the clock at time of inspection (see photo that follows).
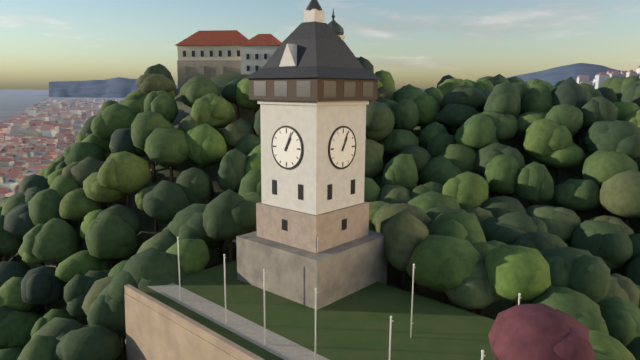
1:04
